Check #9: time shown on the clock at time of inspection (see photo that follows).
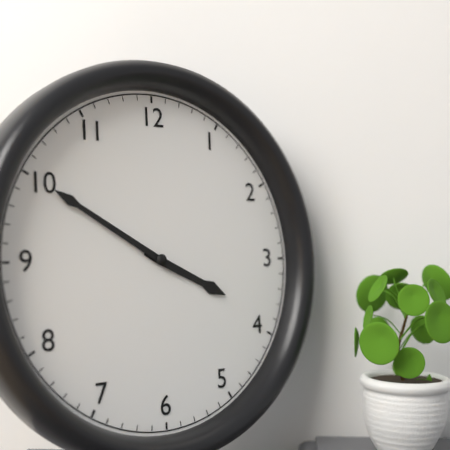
3:50
